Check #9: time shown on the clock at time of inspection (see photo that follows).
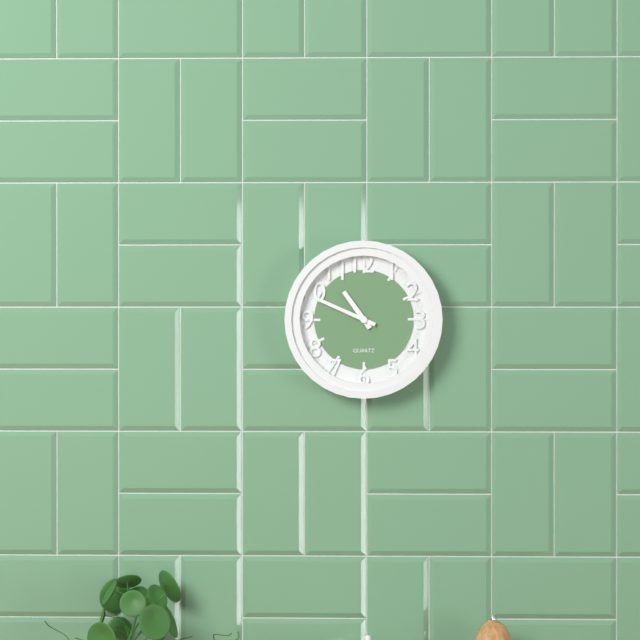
10:49
